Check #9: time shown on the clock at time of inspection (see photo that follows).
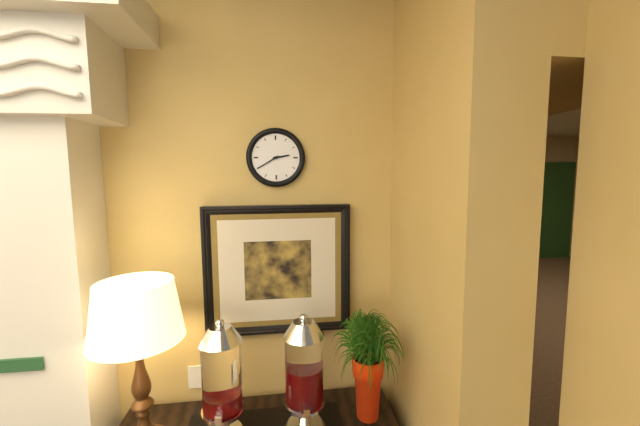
2:40
